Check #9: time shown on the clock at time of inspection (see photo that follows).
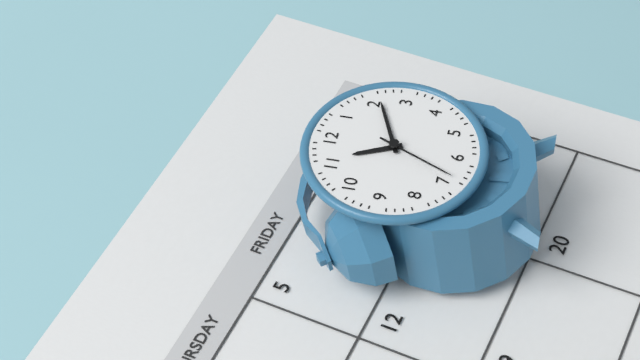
11:11:34
